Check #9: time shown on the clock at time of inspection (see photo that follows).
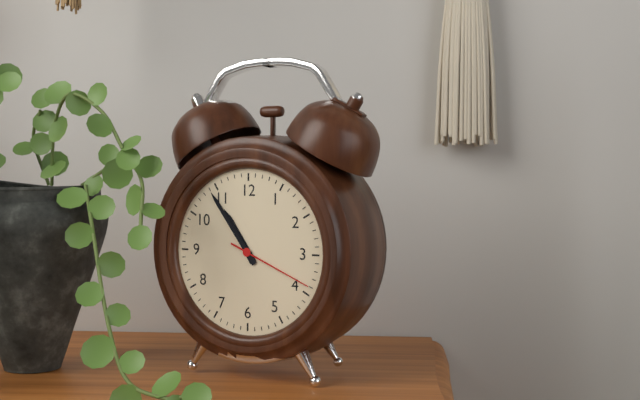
10:54:19
